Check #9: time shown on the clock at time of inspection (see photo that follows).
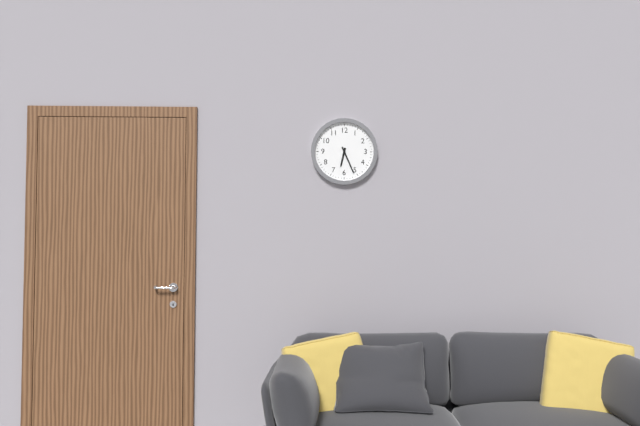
6:26
